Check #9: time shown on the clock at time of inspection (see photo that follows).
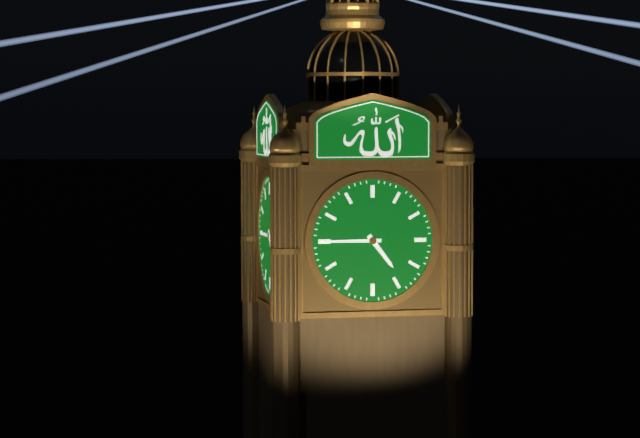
4:45
